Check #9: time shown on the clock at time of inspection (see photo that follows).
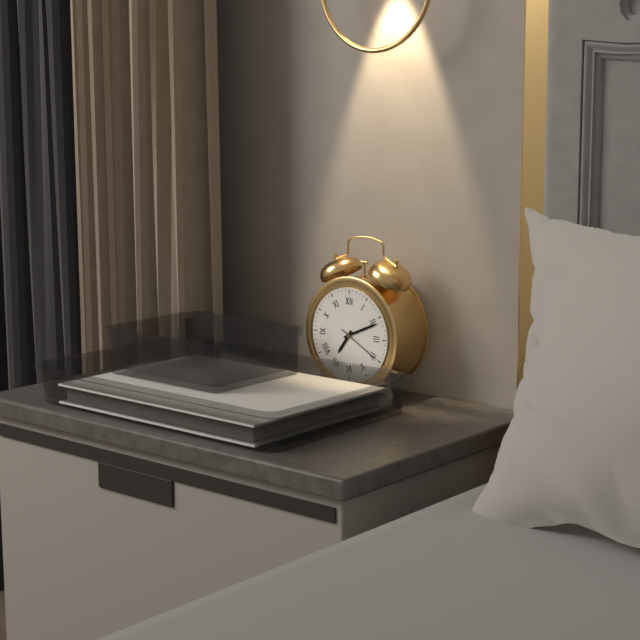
7:11
